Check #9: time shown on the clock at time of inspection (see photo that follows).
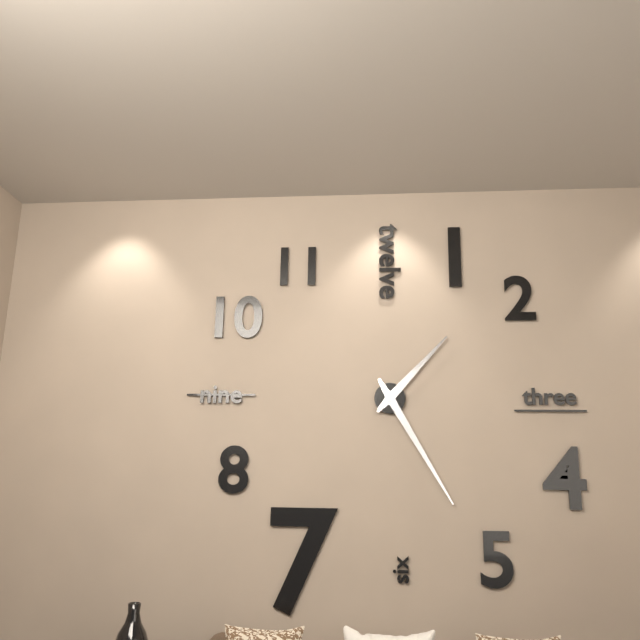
1:25
